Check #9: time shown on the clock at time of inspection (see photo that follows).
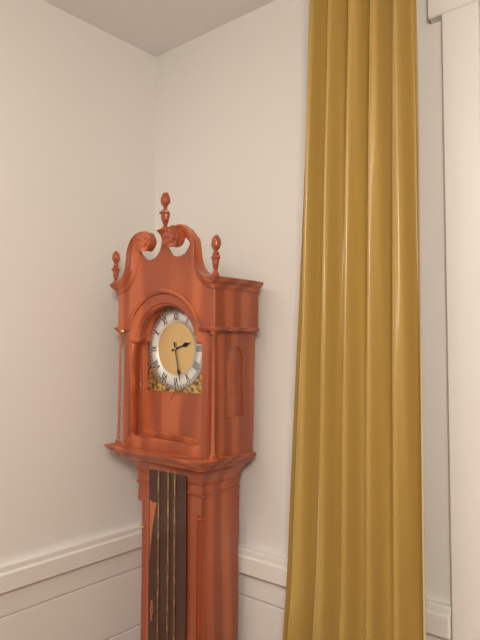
2:28
